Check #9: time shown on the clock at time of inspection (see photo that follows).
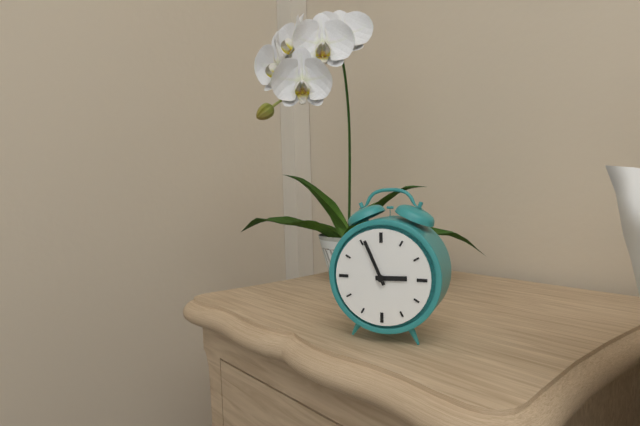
2:56
